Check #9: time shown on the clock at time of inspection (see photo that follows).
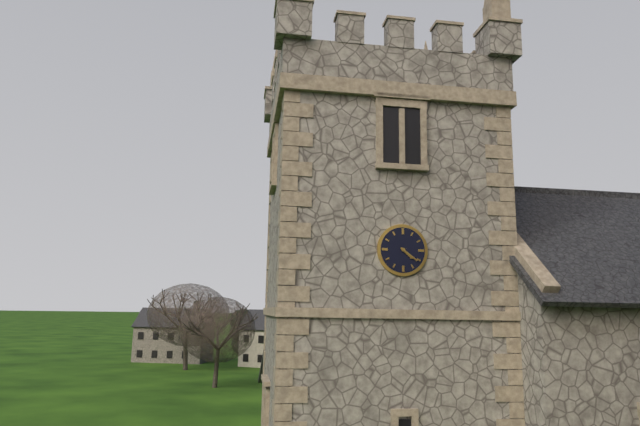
4:21
